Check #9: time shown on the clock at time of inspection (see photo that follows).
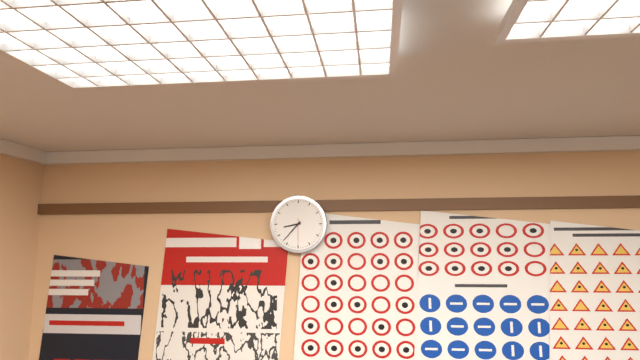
8:37
